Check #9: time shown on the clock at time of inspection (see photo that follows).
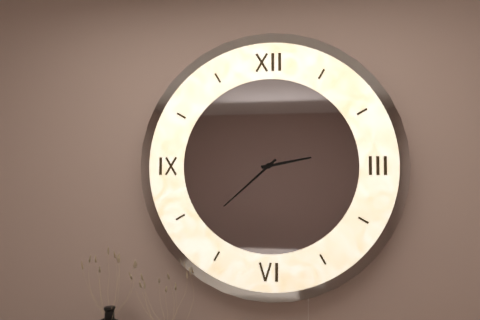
2:38
